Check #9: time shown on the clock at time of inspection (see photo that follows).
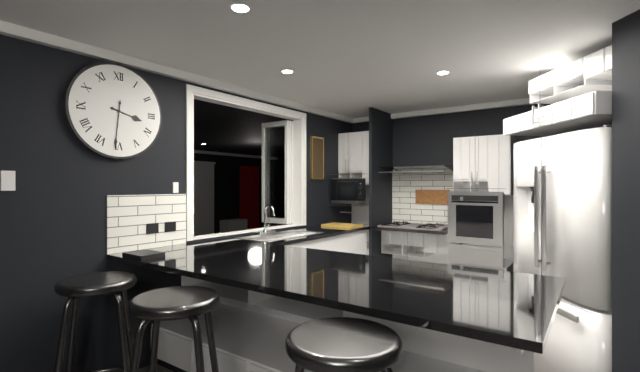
3:31
